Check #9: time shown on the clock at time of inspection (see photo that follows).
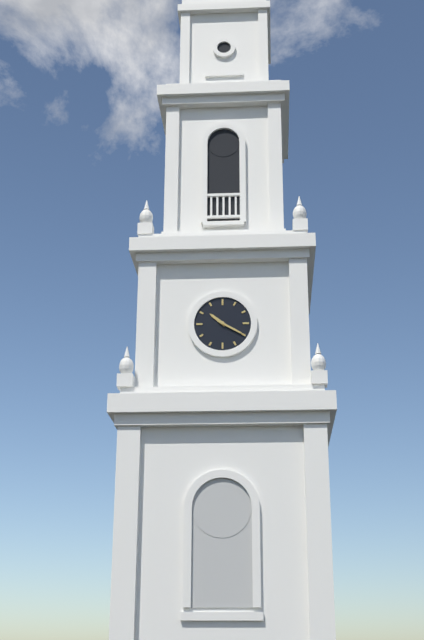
10:20
